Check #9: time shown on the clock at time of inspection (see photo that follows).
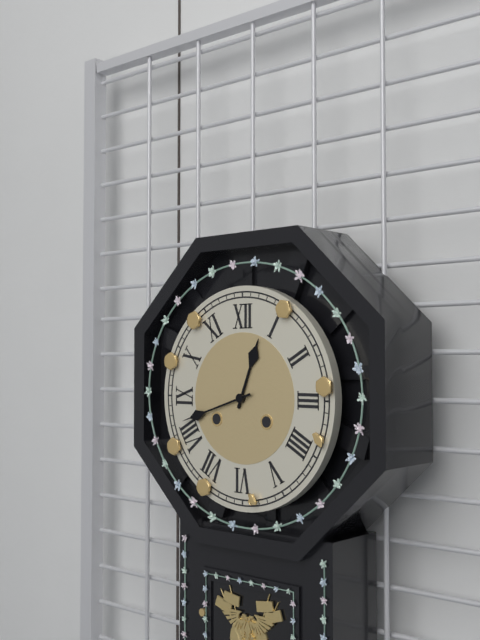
12:42
